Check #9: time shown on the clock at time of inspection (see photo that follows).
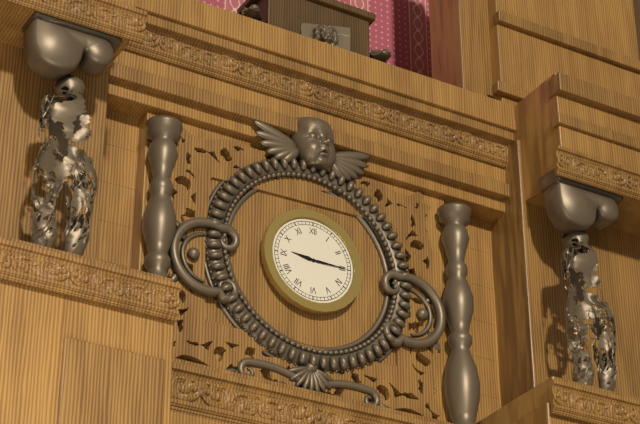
9:15
